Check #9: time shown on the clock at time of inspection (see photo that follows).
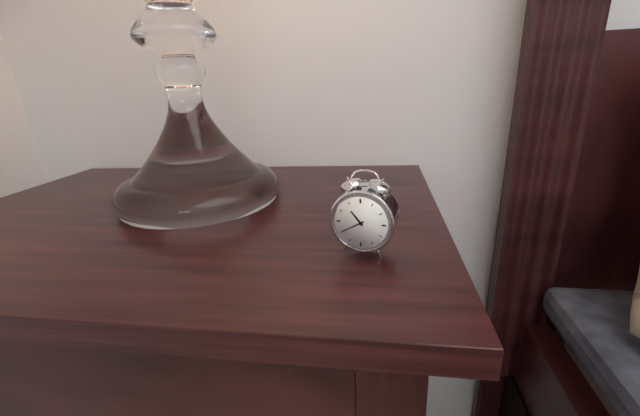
10:40
